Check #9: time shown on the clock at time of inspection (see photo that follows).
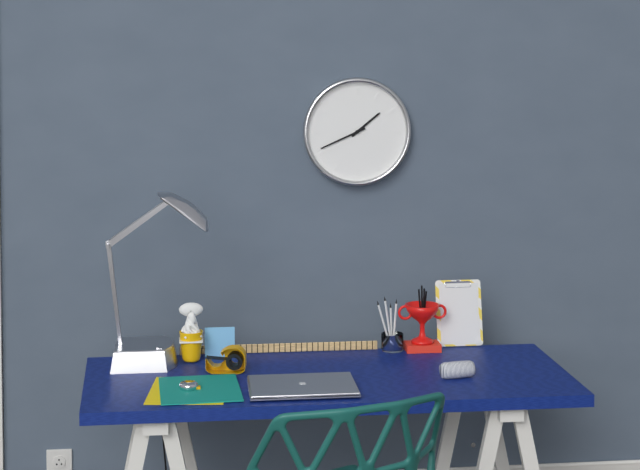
1:41
